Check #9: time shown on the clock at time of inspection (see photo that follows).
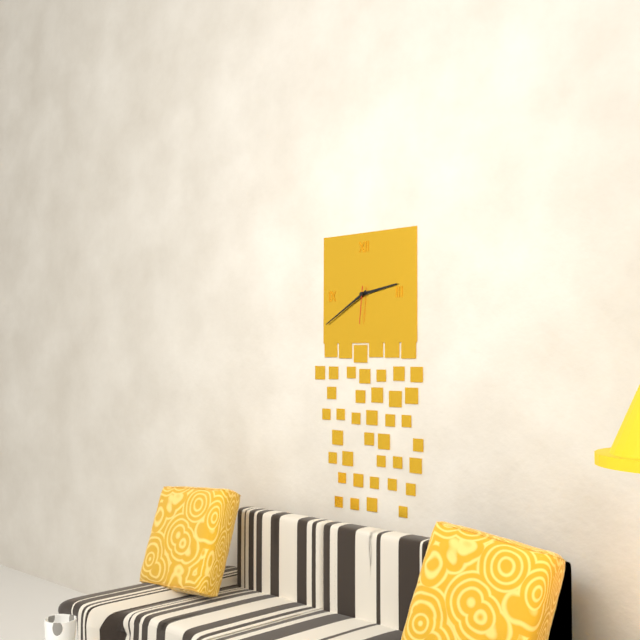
2:40
